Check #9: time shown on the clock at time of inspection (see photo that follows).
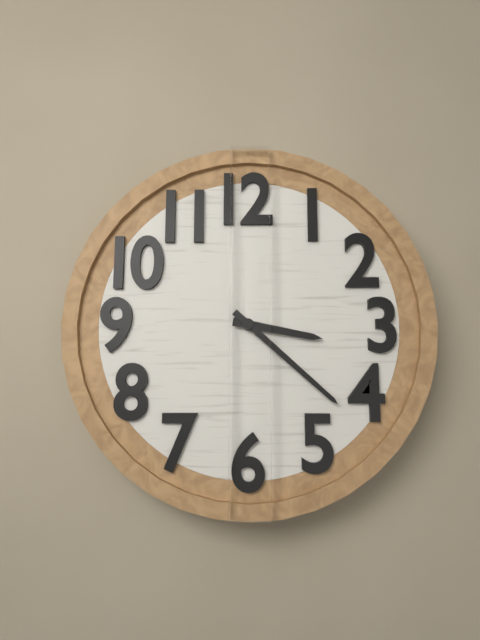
3:22
